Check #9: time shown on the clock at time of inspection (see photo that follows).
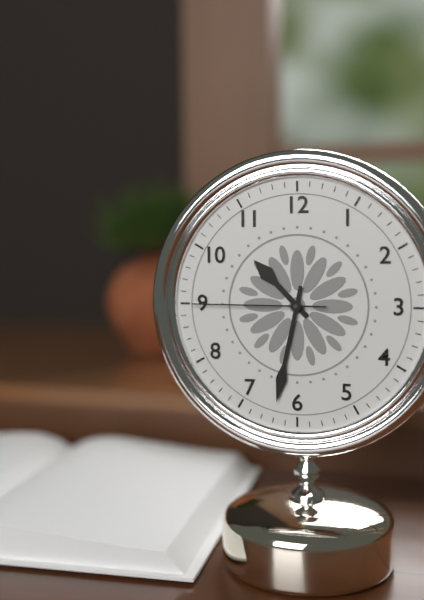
10:32:45
